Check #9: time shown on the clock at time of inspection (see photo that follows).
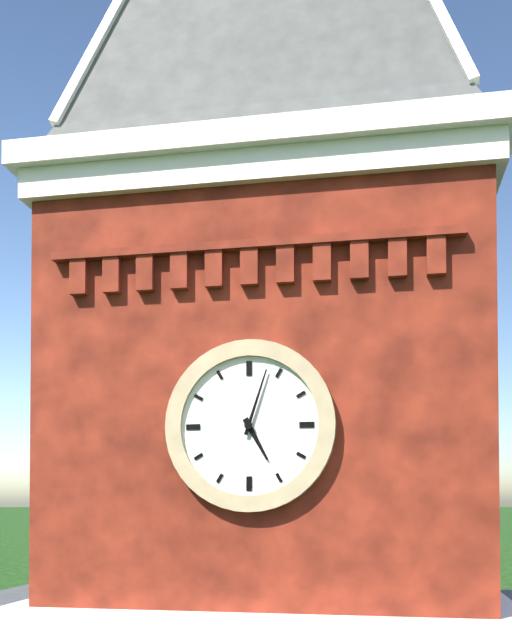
5:03
